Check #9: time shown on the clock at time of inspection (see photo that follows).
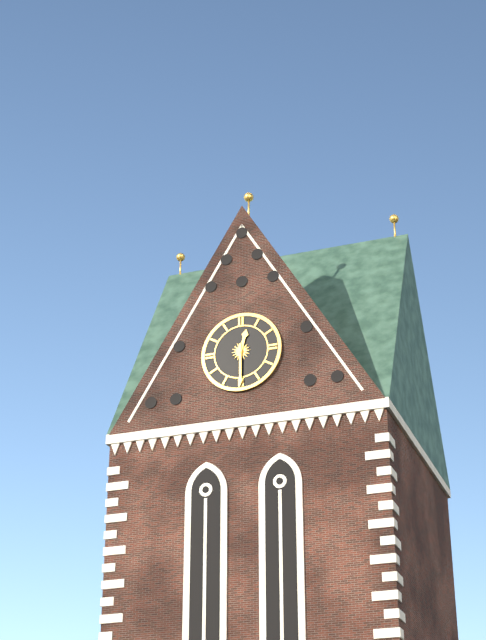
12:30
